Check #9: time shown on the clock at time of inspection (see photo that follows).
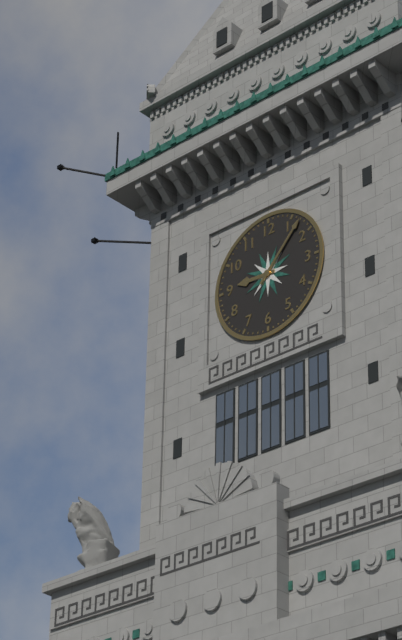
9:07
